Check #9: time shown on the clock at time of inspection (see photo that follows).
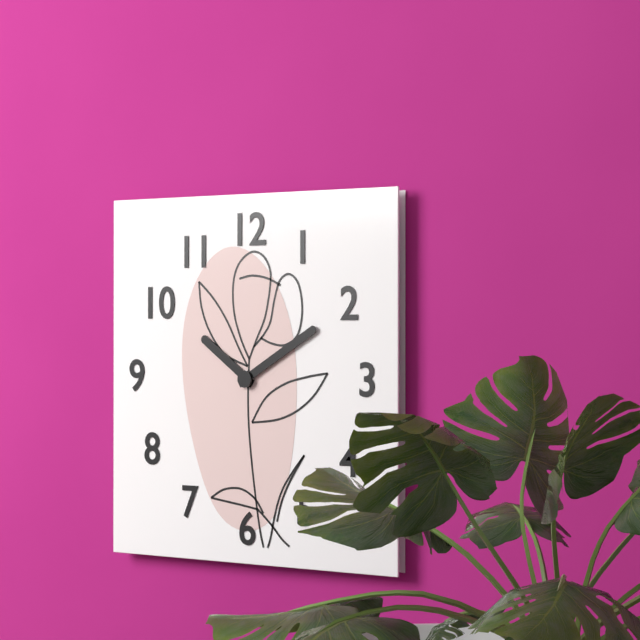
10:10
